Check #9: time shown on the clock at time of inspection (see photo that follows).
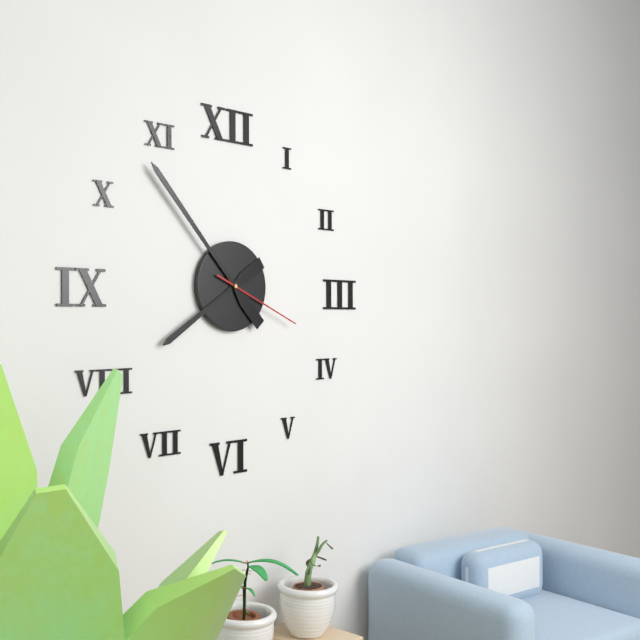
7:53:19
